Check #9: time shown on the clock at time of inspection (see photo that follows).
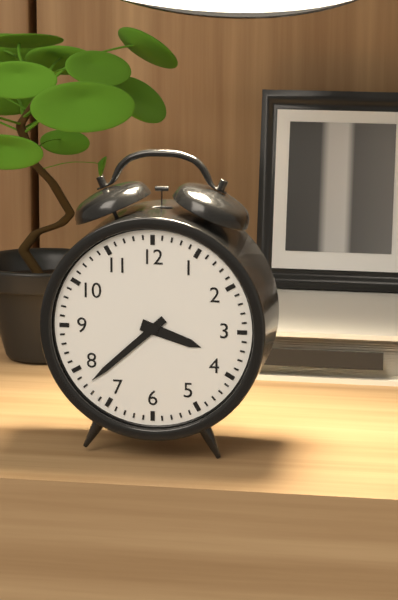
3:38
